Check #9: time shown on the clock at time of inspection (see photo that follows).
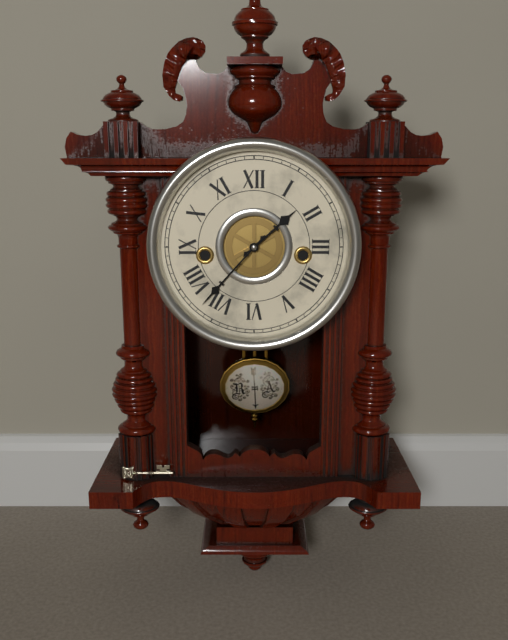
1:37
